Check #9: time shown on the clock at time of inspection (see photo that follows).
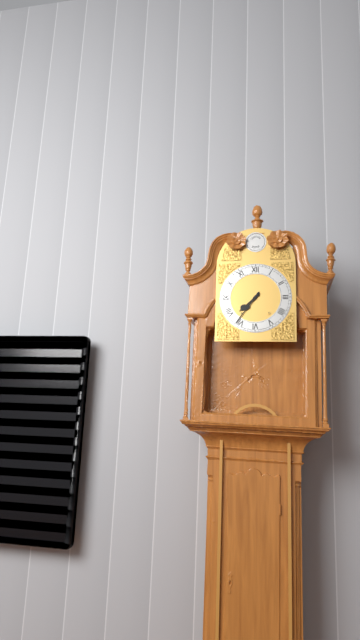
7:36
